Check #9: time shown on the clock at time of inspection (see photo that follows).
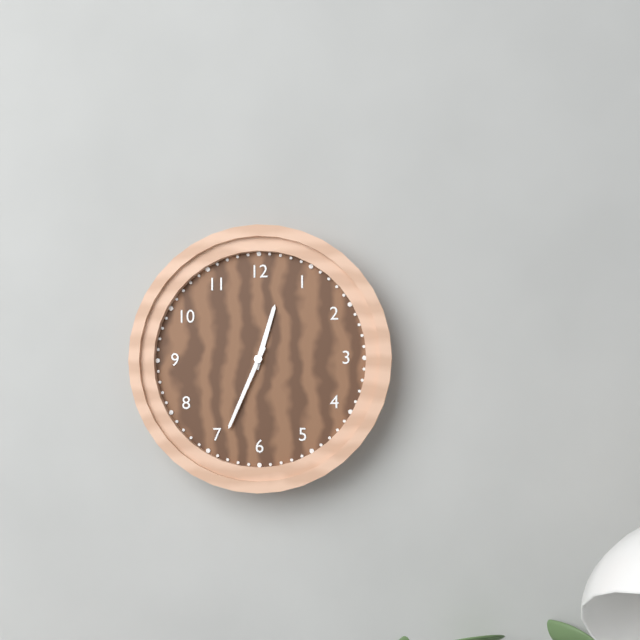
12:34
